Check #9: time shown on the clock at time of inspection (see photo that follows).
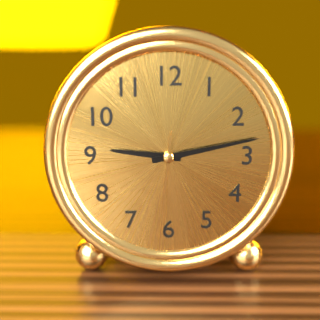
9:13:31
